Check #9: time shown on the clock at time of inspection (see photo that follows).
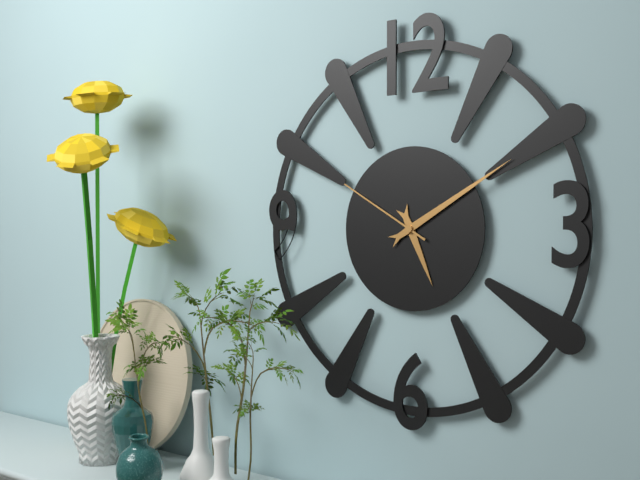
5:10:50
